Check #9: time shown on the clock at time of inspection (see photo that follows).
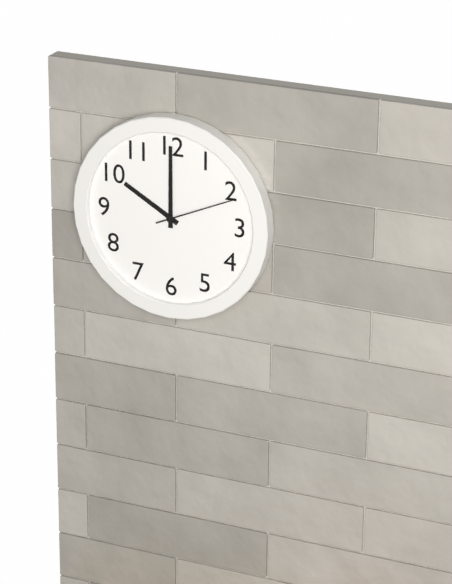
10:00:11
